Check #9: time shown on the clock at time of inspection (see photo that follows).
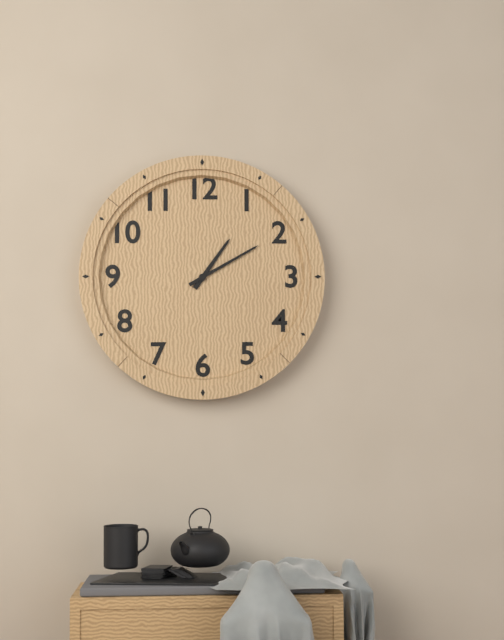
1:10
